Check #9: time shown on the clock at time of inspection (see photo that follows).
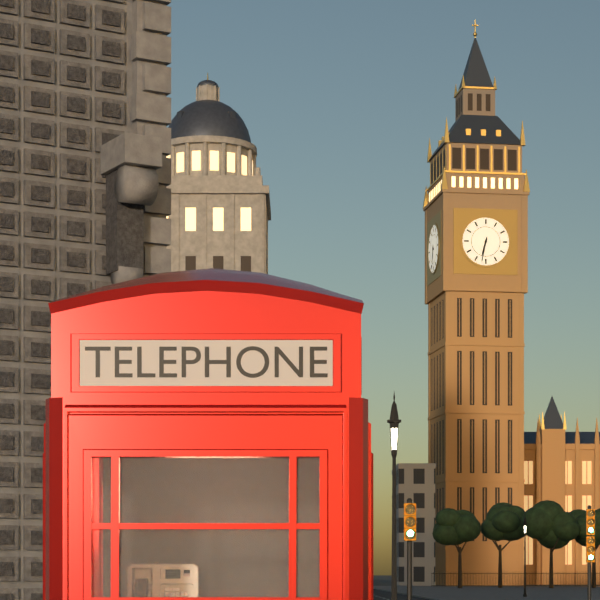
6:32
